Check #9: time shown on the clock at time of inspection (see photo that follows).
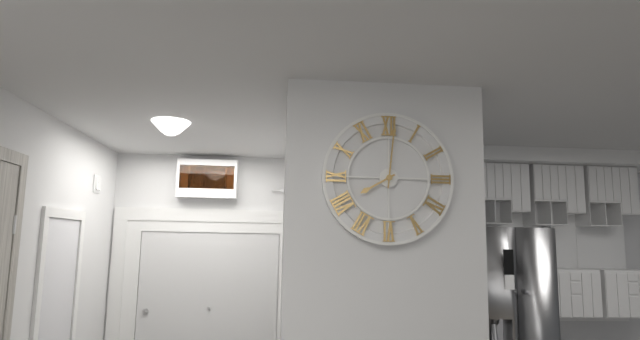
8:01
